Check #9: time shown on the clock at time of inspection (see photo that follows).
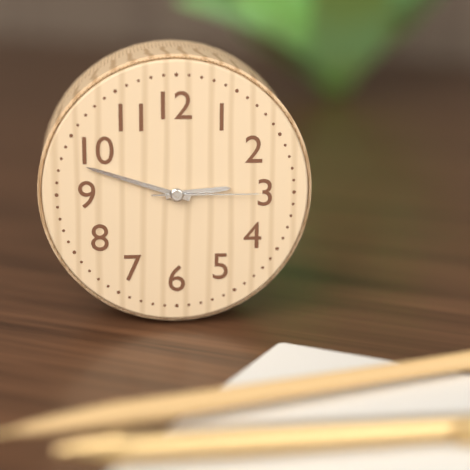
2:48:15
